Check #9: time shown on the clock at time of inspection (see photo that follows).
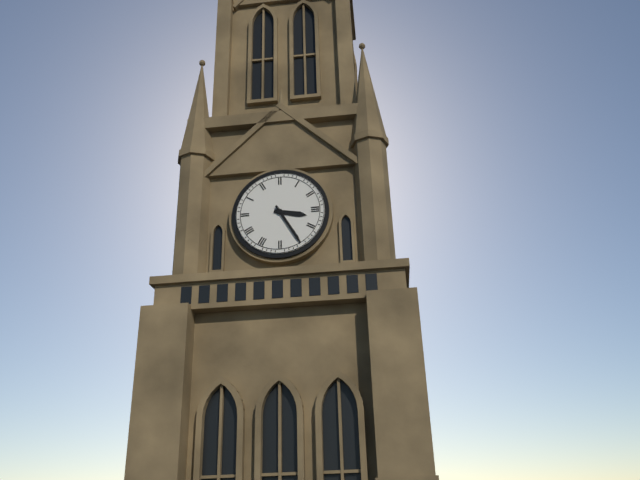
3:25
